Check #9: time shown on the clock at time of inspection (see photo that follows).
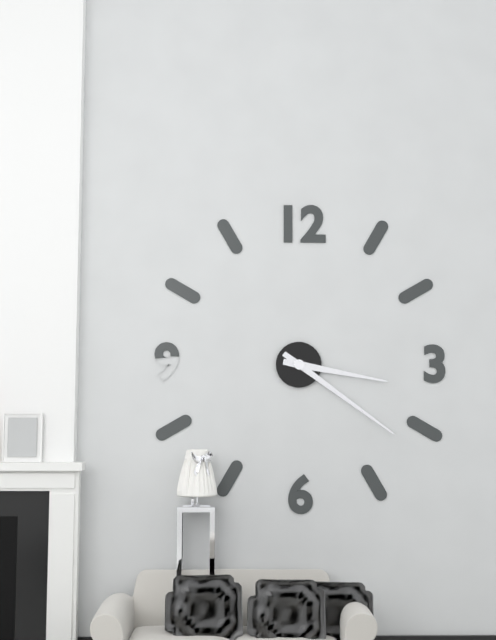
3:21
